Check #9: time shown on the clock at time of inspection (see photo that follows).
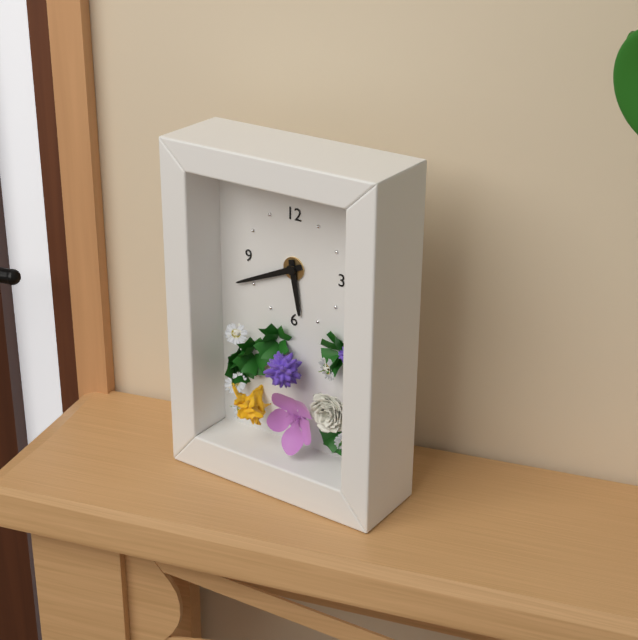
5:41
